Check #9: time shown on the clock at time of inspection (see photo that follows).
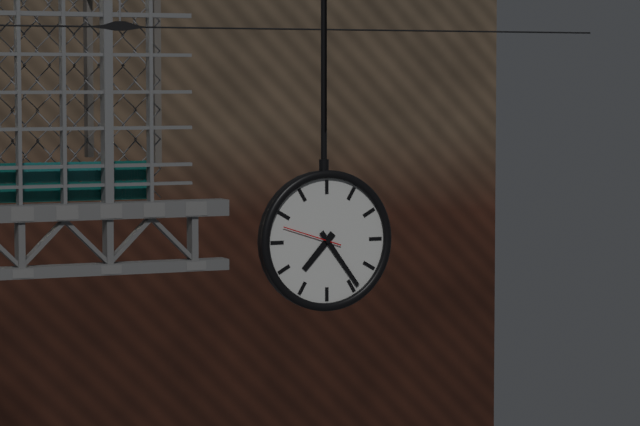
7:24:48
